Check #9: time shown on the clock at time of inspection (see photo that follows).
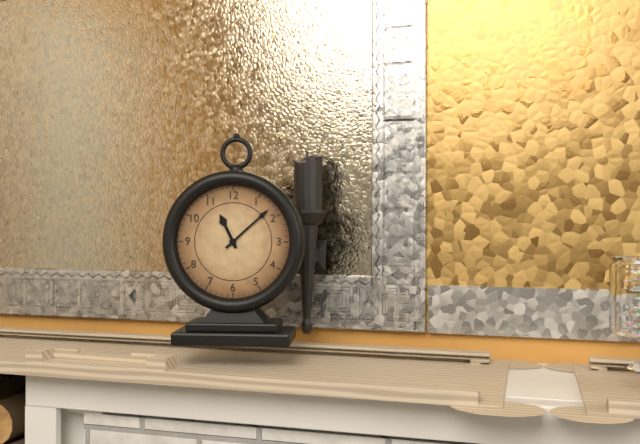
11:08
